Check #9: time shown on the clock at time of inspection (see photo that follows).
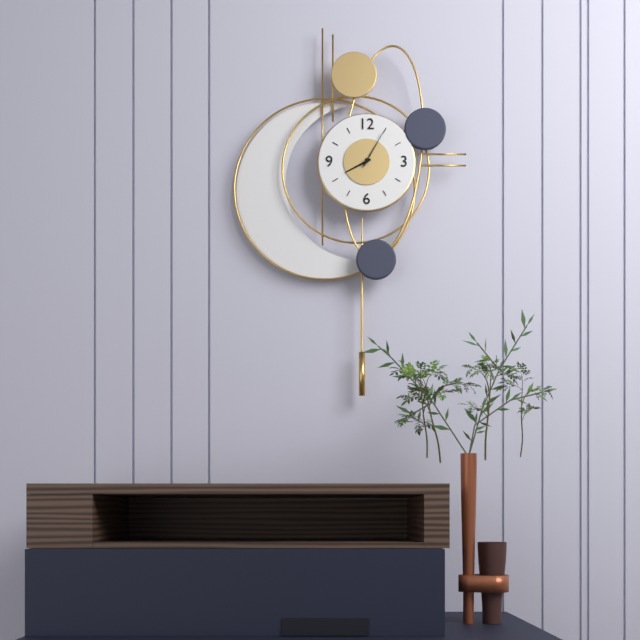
8:05
